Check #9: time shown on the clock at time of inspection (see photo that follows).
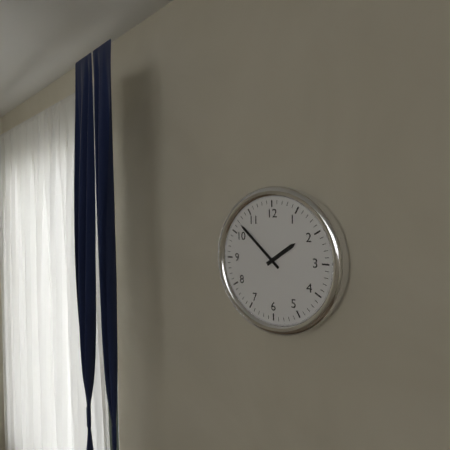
1:52
